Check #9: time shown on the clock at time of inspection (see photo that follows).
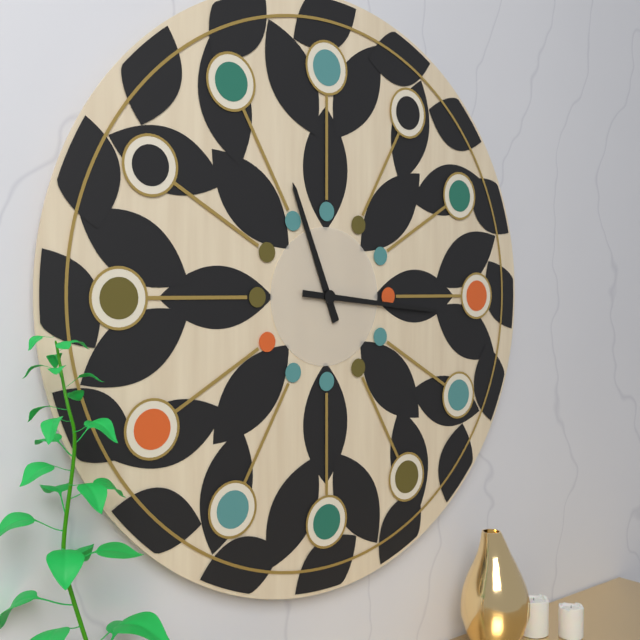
11:16
